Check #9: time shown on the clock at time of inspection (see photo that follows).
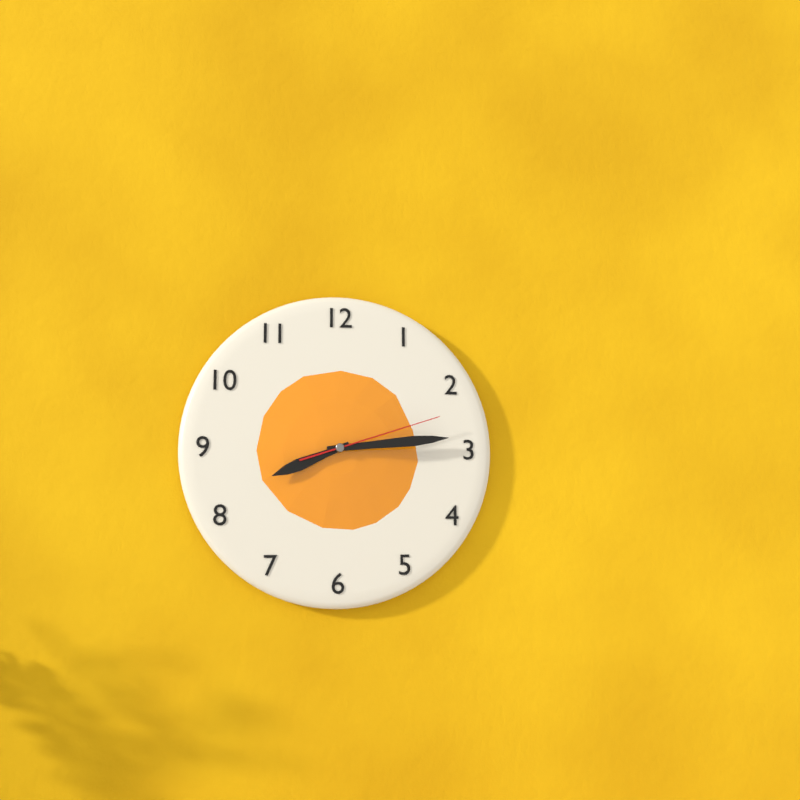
8:14:12
